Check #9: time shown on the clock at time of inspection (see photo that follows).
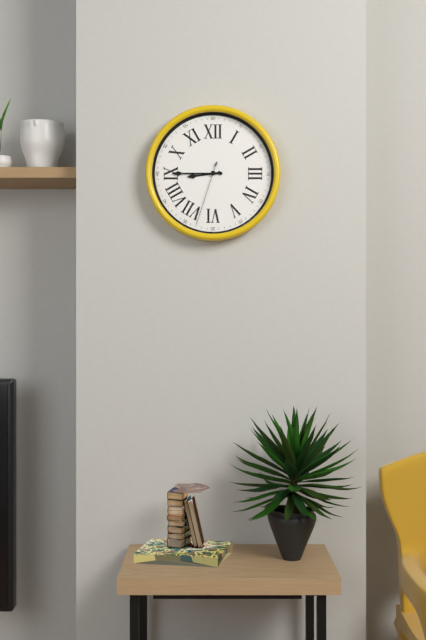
8:45:33
